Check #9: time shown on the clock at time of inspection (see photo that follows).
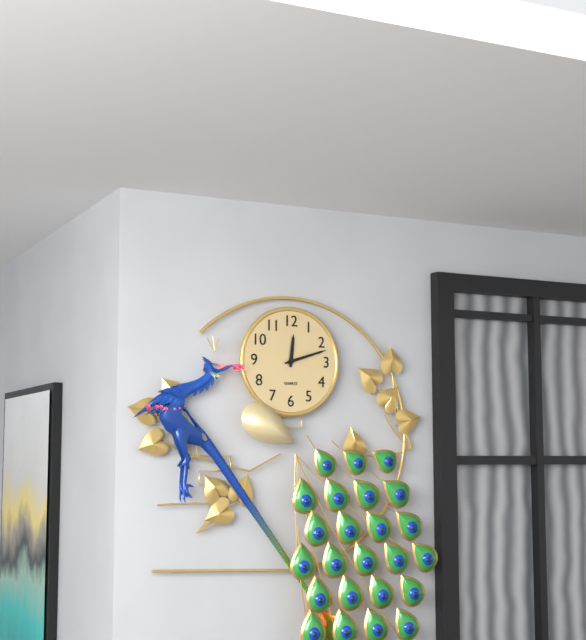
12:12
